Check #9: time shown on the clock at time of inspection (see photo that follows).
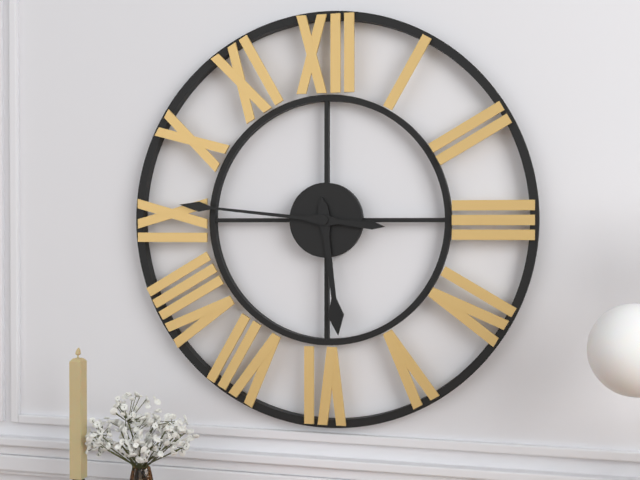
5:46
